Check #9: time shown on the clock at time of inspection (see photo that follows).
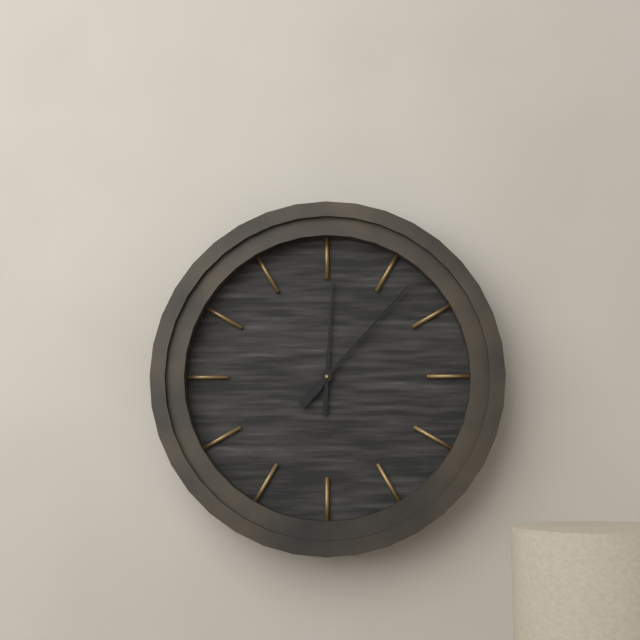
12:07
